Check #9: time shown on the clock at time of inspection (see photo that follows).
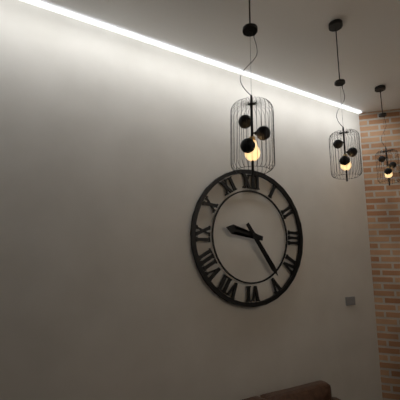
9:24
